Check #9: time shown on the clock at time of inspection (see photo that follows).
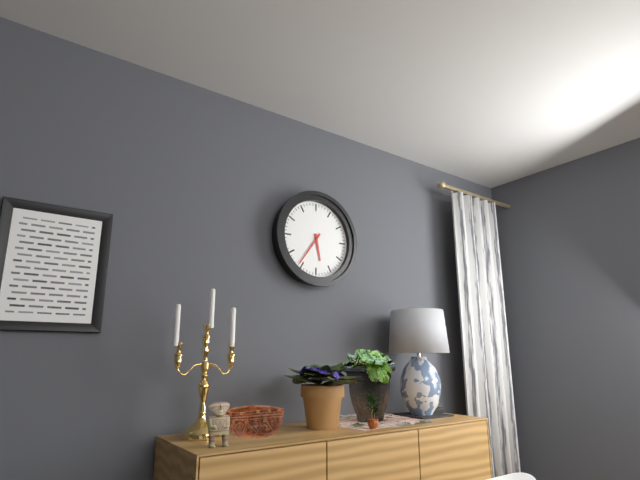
5:36
